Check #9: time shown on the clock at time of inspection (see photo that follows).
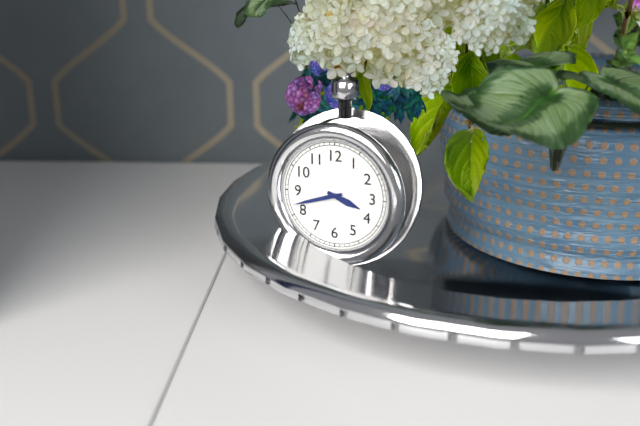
3:42
